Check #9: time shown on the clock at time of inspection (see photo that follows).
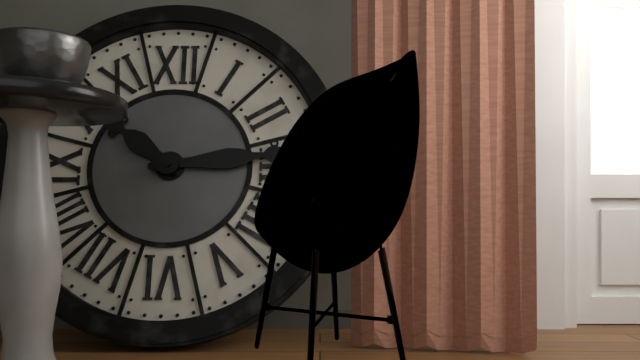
10:14
